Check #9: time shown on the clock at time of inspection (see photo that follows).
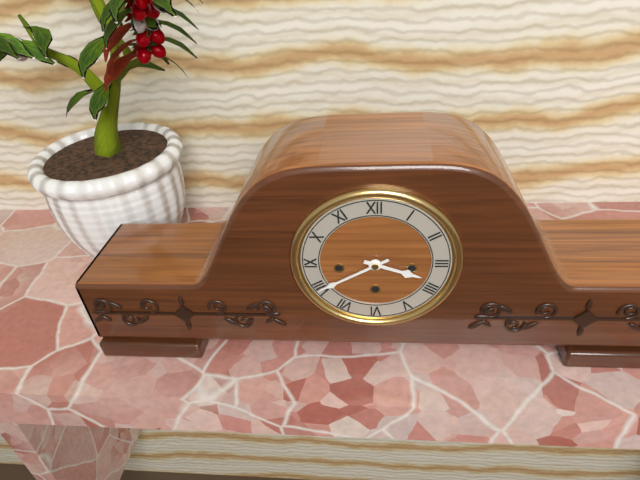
3:40
